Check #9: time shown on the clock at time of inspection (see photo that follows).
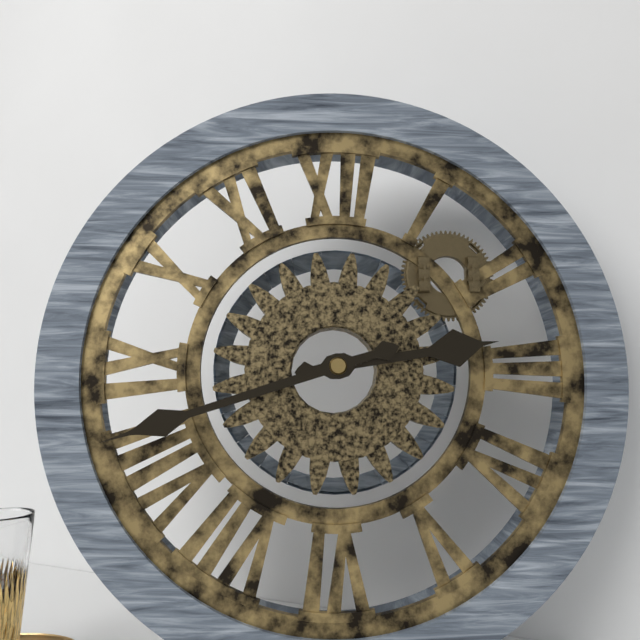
2:42
